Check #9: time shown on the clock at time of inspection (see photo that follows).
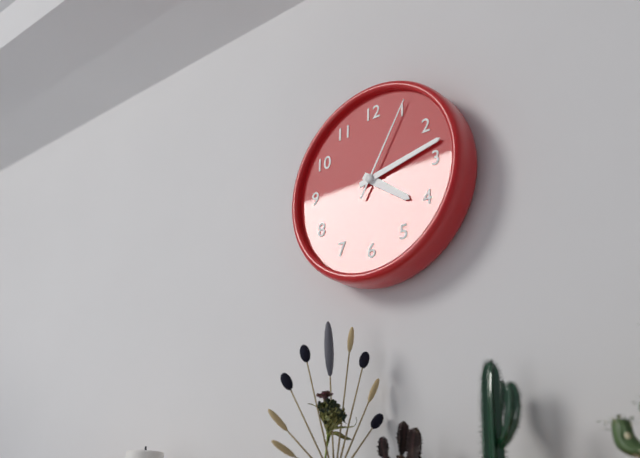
4:13:05
